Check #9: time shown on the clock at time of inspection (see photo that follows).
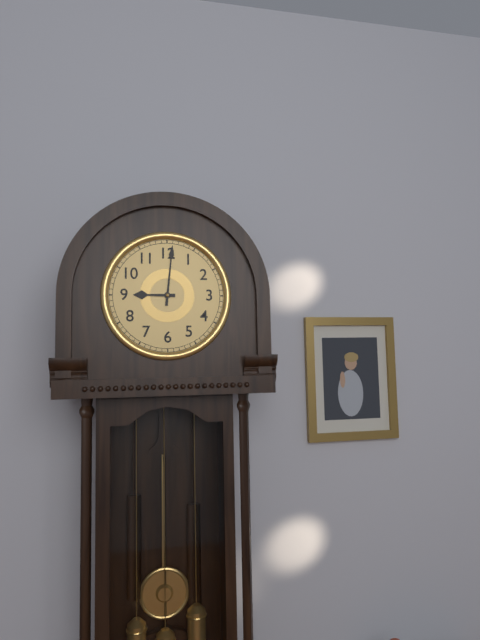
9:01
